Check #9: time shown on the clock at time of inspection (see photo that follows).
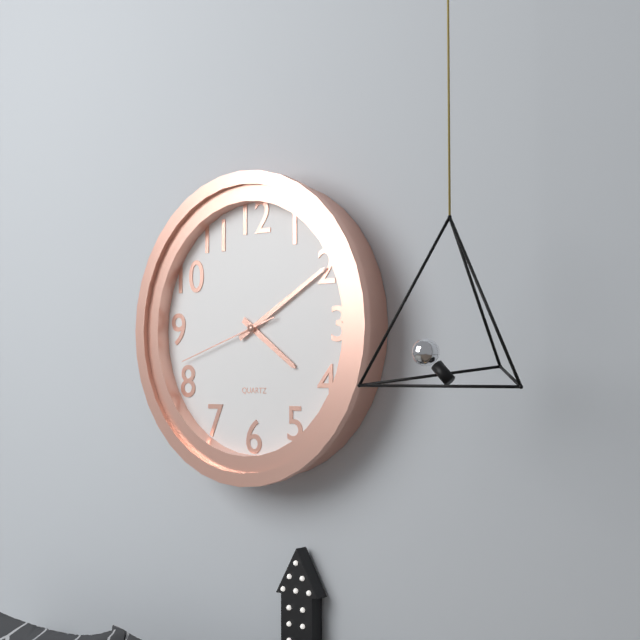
4:10:42
